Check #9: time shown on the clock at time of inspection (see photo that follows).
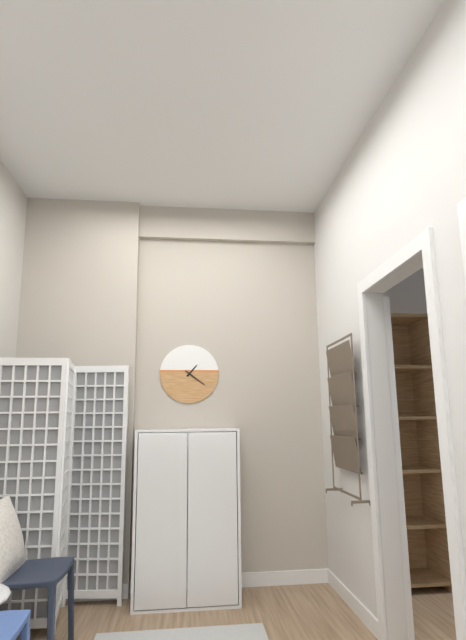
1:21
